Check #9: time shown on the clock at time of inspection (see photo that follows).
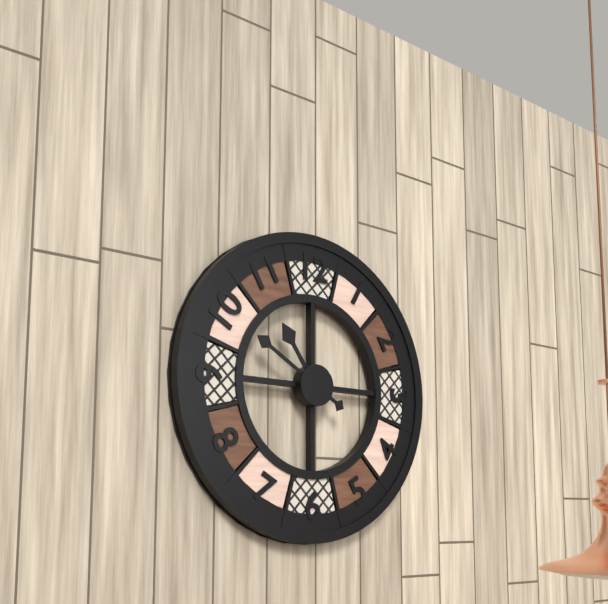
10:50
